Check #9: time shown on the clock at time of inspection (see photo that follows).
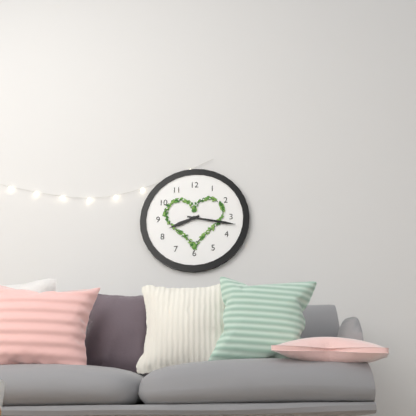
8:17
